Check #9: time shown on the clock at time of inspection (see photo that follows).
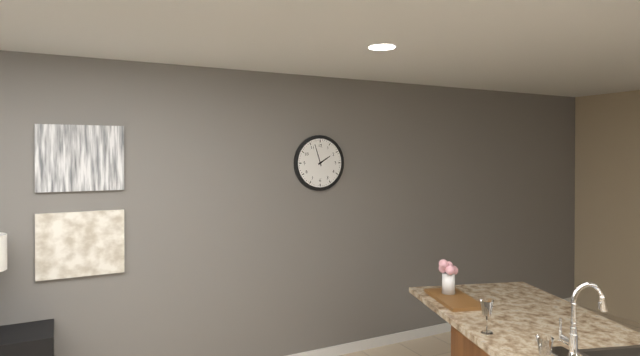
1:57
